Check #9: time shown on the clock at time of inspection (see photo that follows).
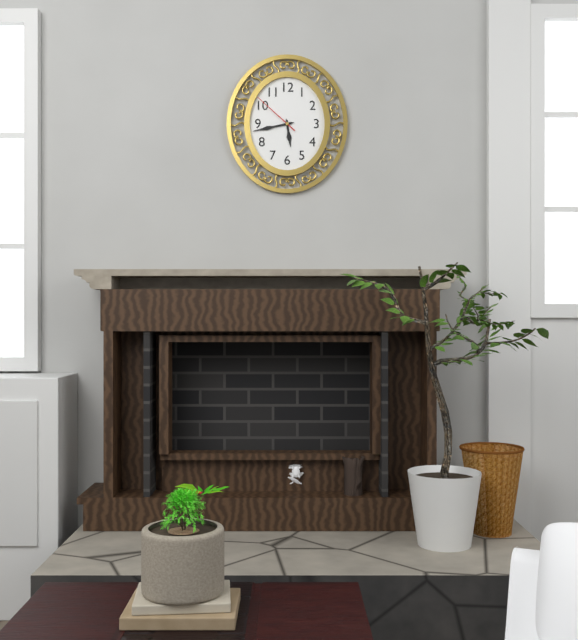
5:43:52
